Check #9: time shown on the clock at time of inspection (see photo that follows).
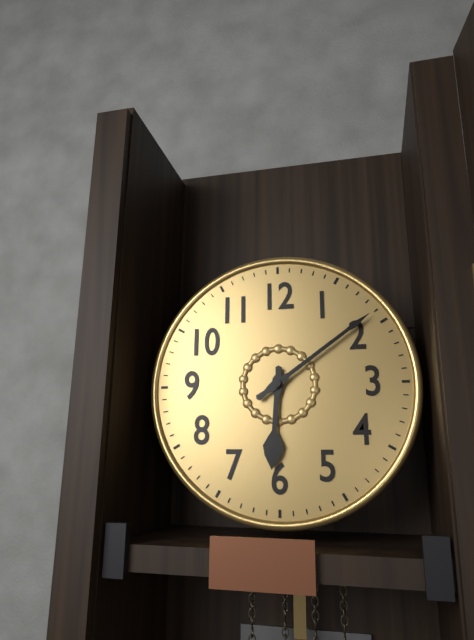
6:09
